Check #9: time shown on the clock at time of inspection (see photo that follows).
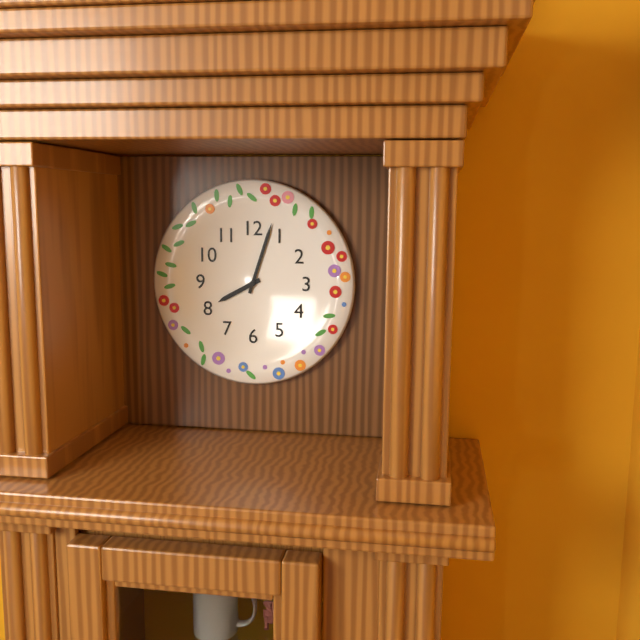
8:03
